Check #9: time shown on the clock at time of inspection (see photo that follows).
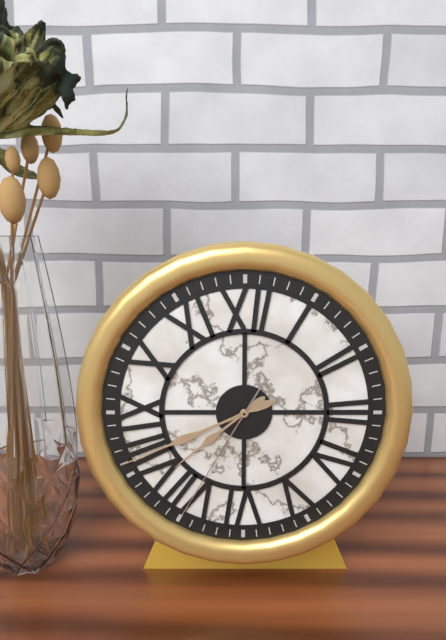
7:41:35
